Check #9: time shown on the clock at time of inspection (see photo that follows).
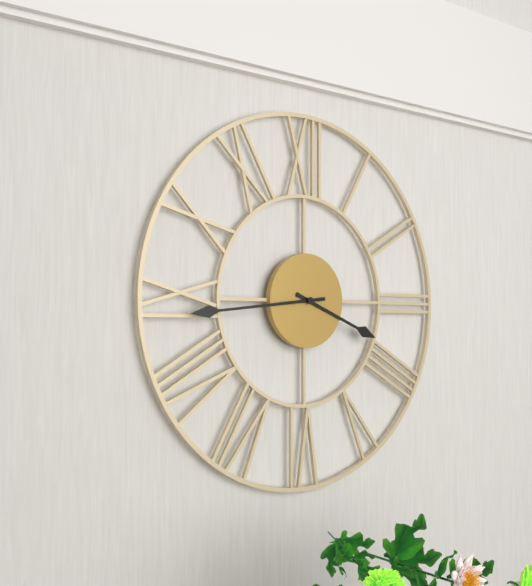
3:44
